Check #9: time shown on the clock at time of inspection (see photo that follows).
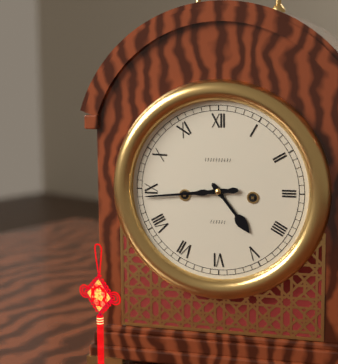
4:44
